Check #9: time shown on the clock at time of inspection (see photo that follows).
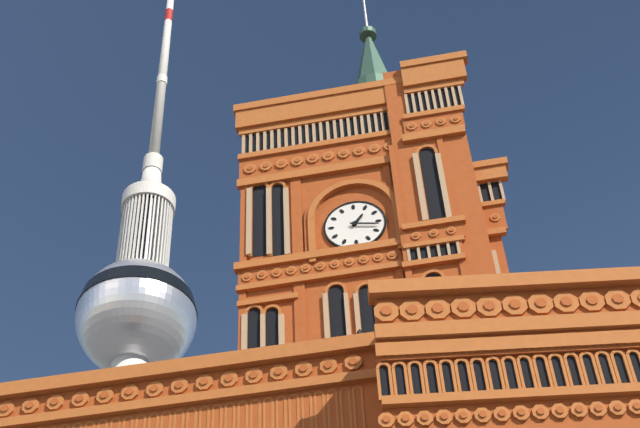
1:17
